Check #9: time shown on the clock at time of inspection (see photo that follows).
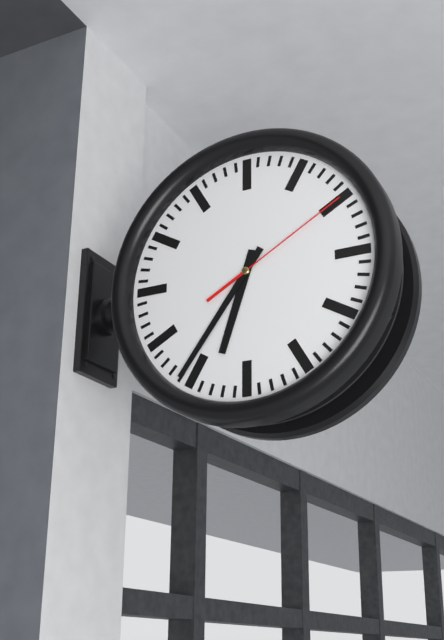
6:36:10
